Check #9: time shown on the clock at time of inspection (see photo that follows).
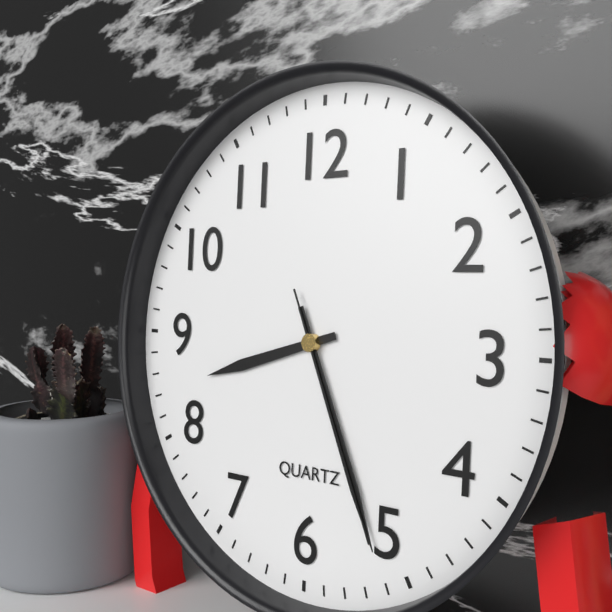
8:26:26
